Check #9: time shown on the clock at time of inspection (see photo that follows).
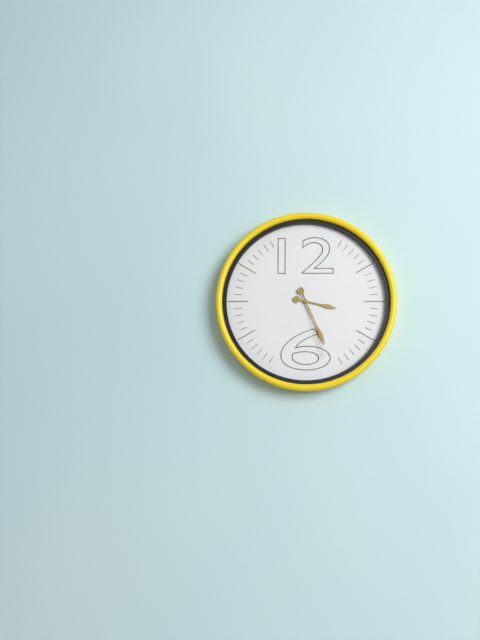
3:26:27
